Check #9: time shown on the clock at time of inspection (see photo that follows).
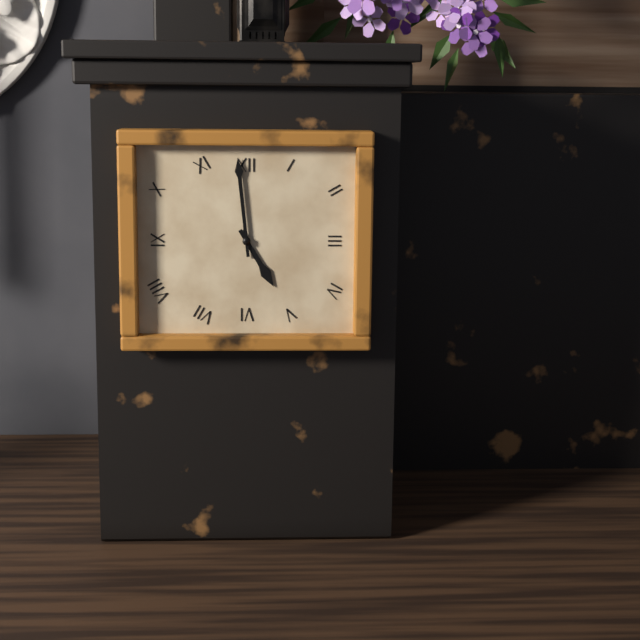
4:59
